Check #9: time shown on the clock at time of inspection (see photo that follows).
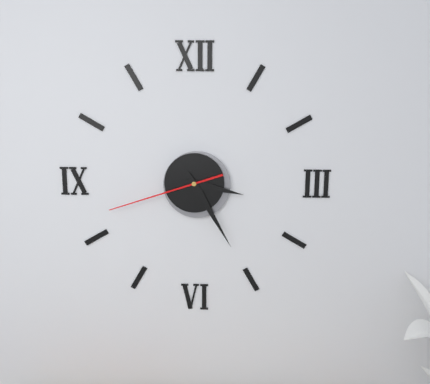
3:25:42
